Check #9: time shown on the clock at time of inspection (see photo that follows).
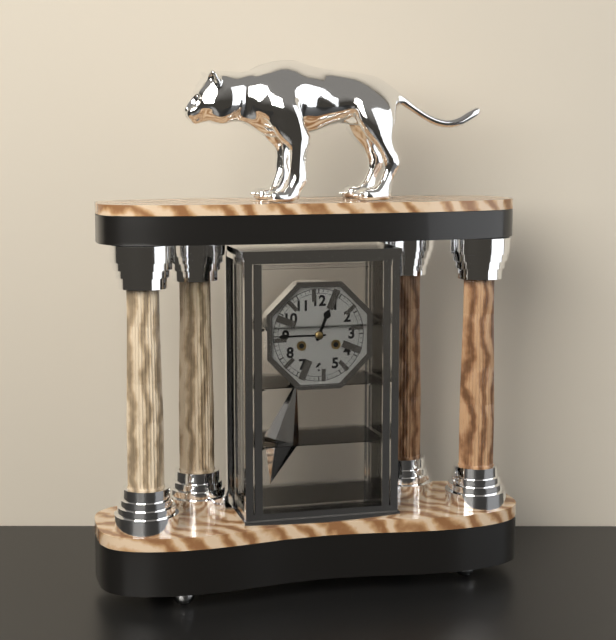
12:45
